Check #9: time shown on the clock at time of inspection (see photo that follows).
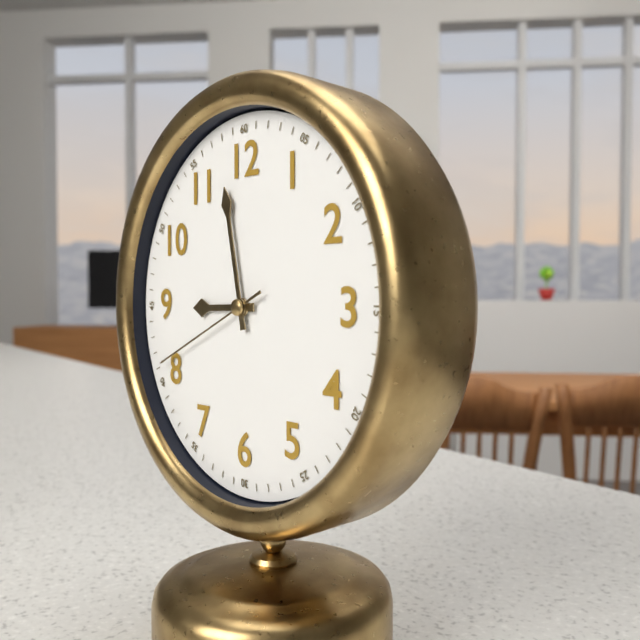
8:58:41
